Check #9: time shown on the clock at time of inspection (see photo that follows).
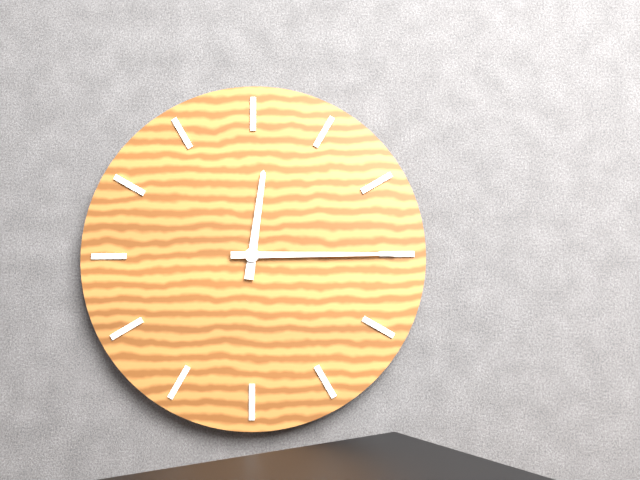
12:15
